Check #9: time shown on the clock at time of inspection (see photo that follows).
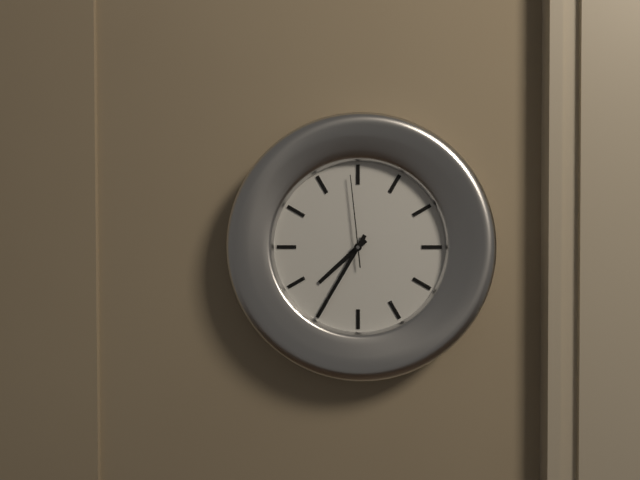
7:35:59
